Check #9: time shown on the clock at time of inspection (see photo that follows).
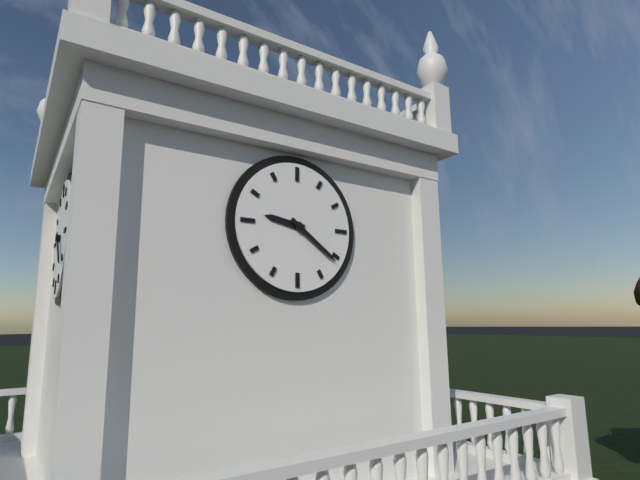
9:21
